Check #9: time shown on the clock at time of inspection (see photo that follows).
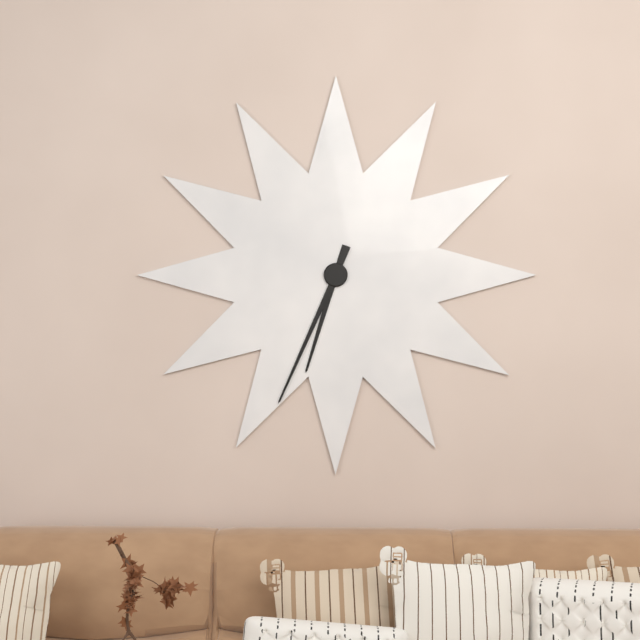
6:34
